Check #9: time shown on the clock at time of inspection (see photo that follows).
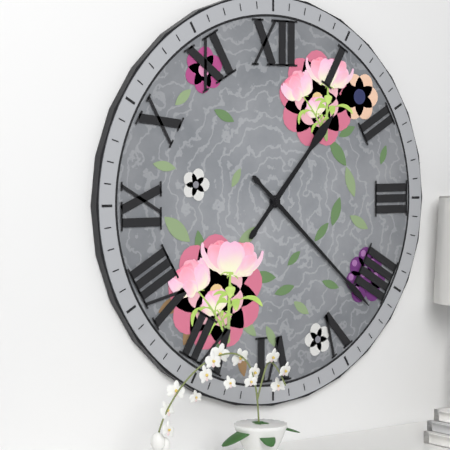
1:22
